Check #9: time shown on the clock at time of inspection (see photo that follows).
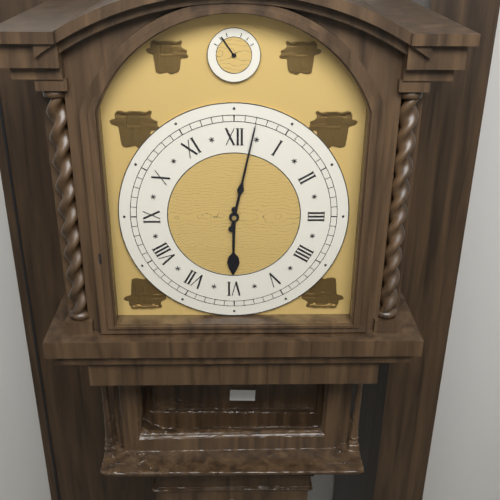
6:02
